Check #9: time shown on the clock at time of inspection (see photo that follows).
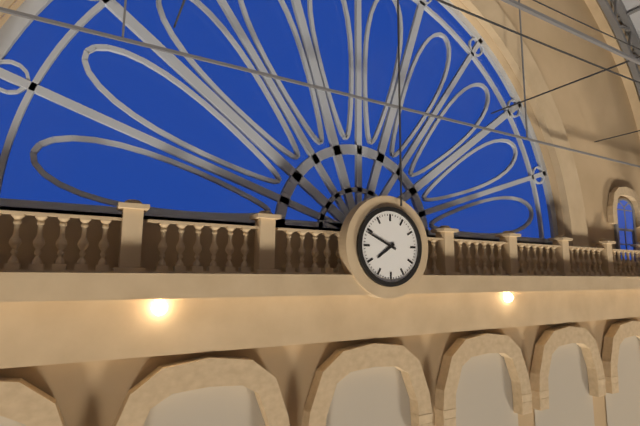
7:49
